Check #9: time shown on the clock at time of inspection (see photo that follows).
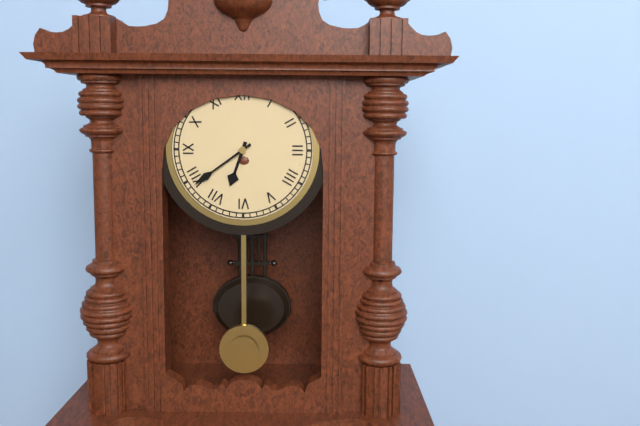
6:39
